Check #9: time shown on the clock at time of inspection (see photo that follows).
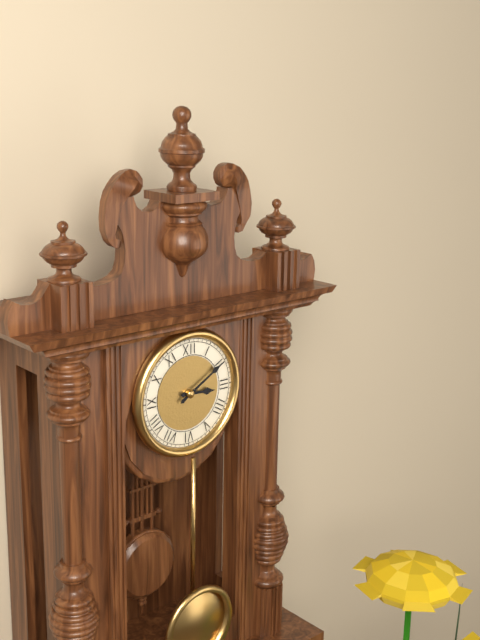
3:10
